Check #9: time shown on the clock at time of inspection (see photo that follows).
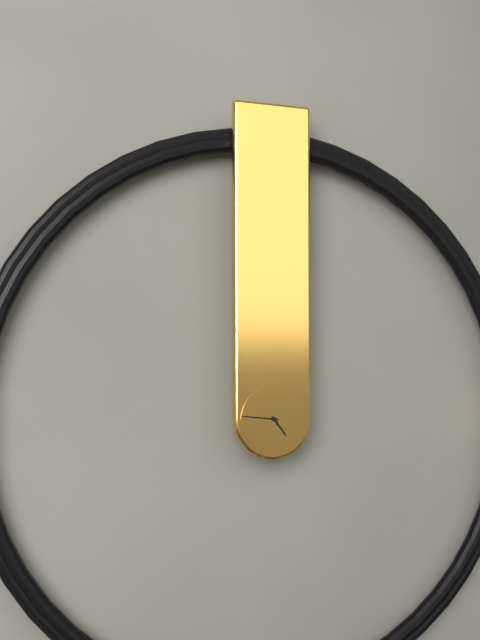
4:46
